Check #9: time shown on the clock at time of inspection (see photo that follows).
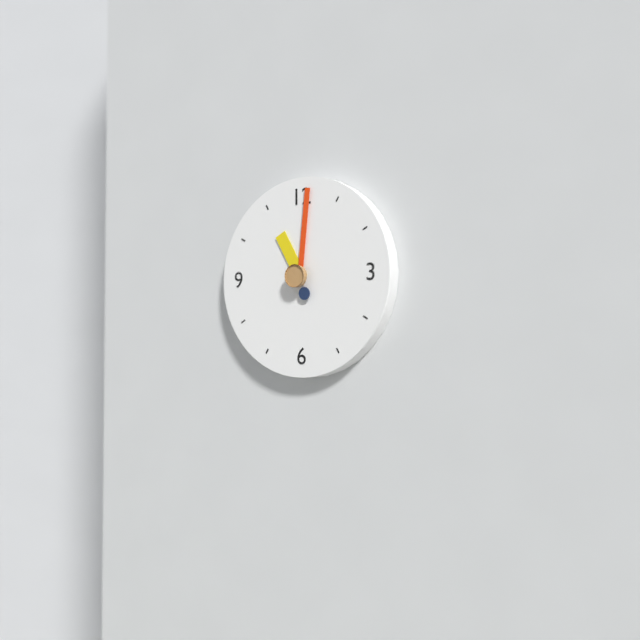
11:01
